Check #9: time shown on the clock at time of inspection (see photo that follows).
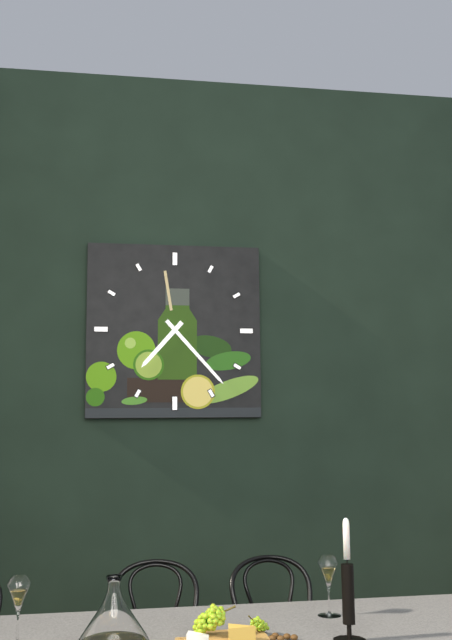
7:23
